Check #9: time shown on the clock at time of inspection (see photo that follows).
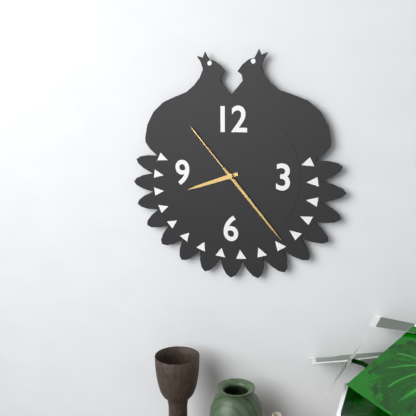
8:23:53
